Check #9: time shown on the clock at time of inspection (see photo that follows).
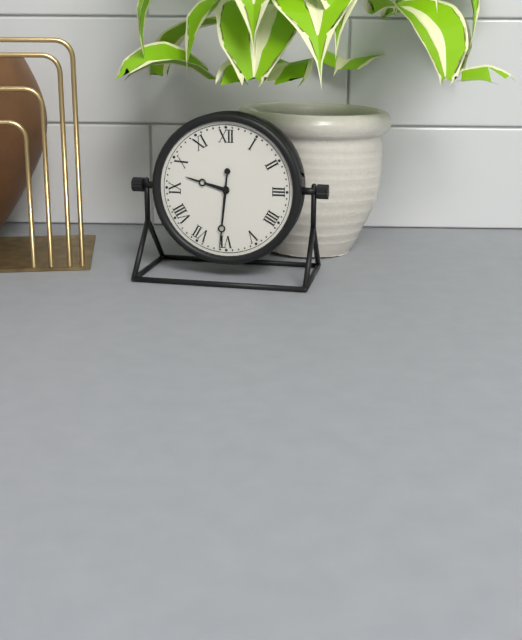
9:31
